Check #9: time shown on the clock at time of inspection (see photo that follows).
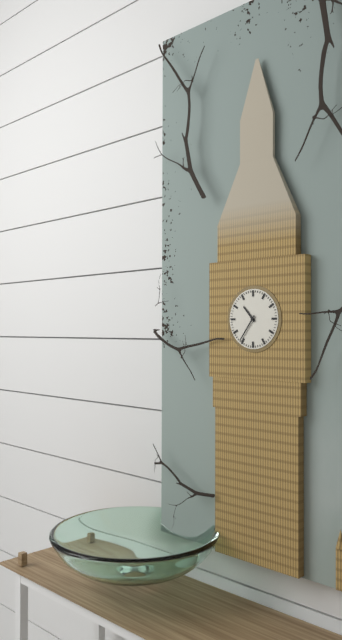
10:36
